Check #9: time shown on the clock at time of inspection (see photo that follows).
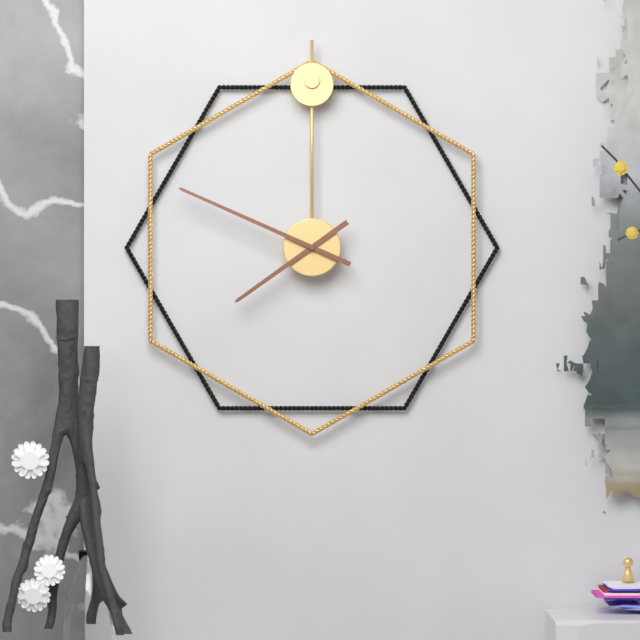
7:49
